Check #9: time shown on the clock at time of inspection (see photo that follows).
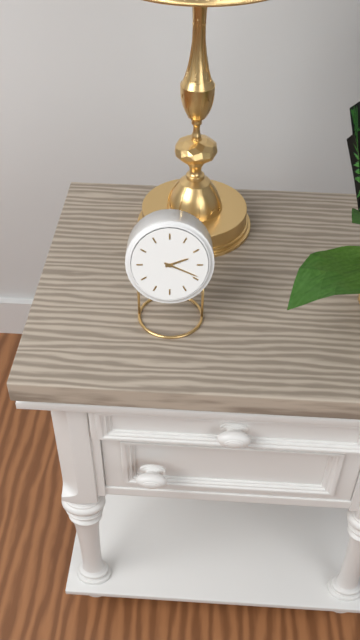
2:19
